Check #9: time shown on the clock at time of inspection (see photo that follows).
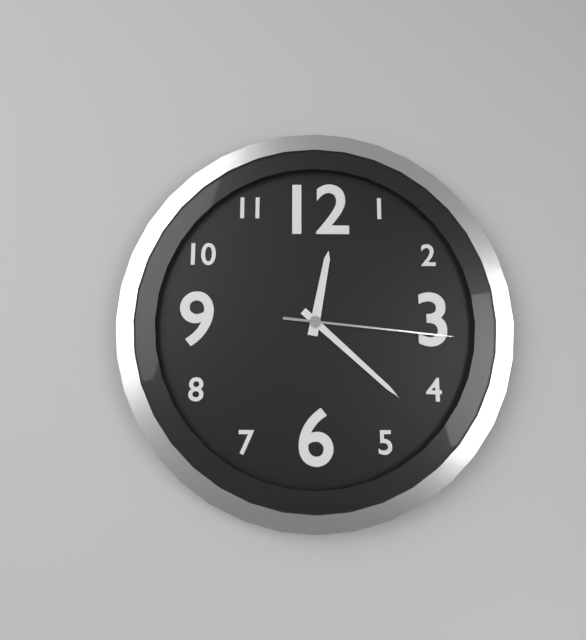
12:22:16
